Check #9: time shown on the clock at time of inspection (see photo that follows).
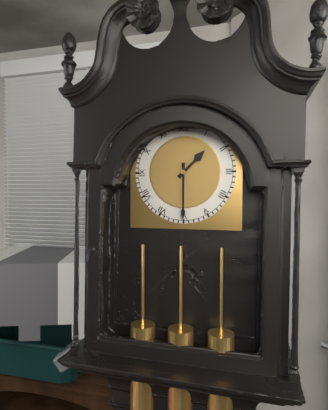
1:30
